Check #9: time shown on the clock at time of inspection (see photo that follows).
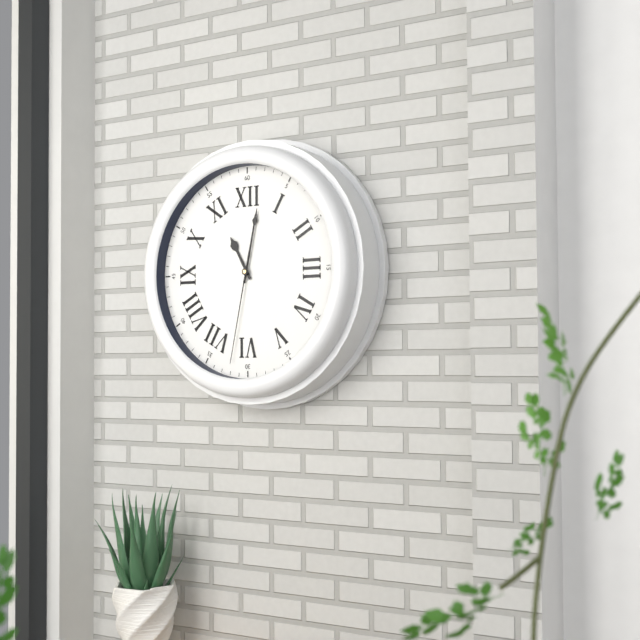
11:02:32
